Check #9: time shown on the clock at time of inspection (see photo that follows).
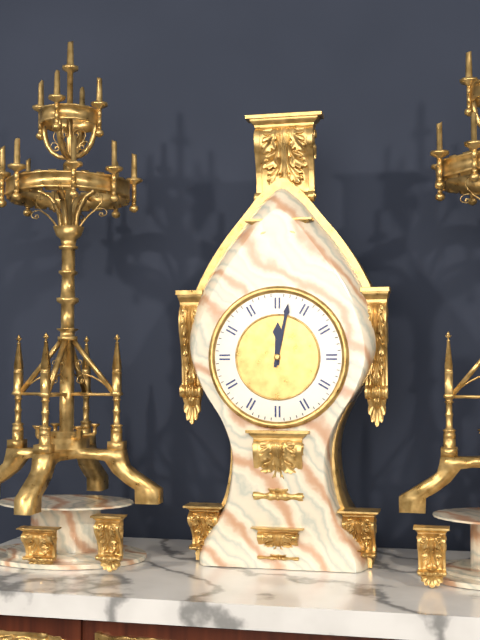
12:02
